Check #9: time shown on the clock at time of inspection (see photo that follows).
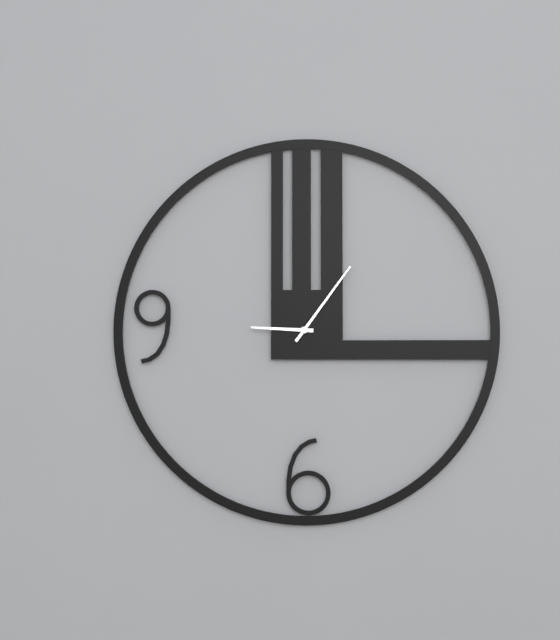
9:06
